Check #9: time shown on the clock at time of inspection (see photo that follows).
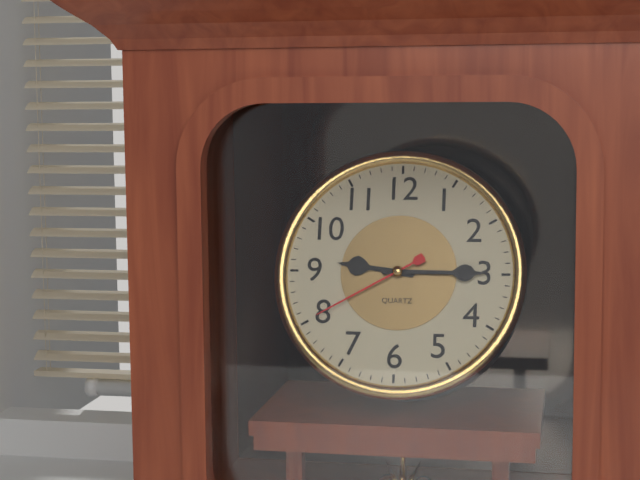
9:15:40
